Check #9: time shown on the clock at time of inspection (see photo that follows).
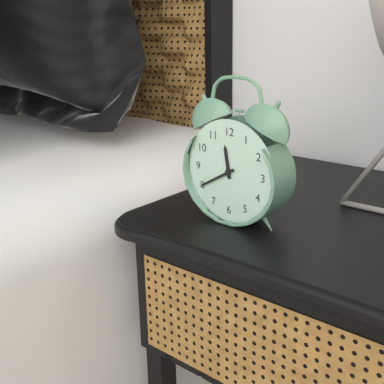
11:40
